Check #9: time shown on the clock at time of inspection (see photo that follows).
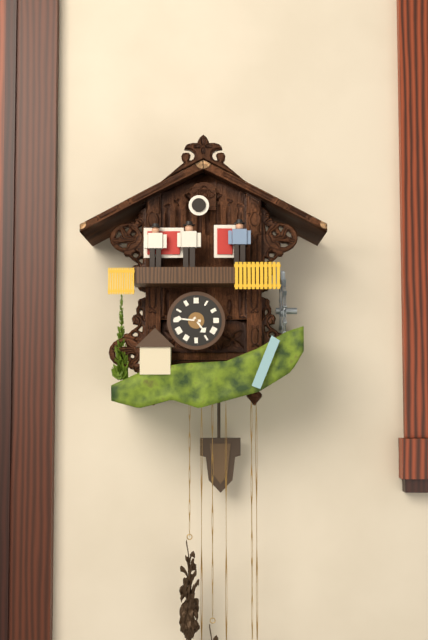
4:46
